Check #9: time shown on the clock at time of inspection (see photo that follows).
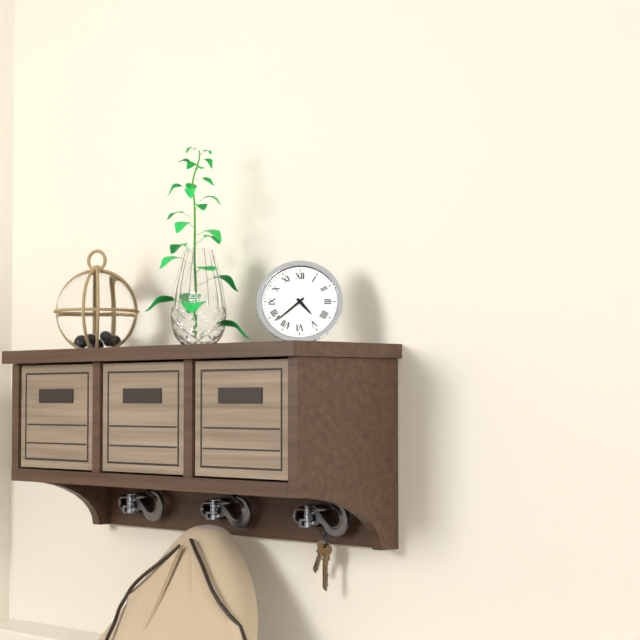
4:38
